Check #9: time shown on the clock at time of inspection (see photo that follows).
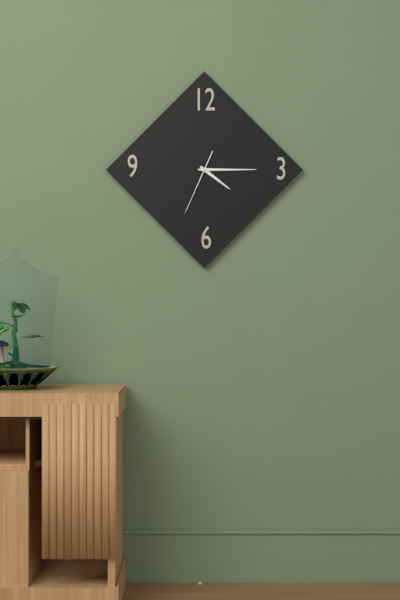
4:15:34
